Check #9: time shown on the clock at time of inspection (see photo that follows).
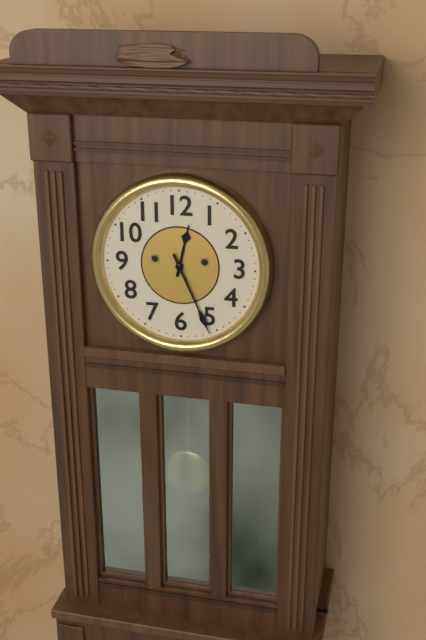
12:26
